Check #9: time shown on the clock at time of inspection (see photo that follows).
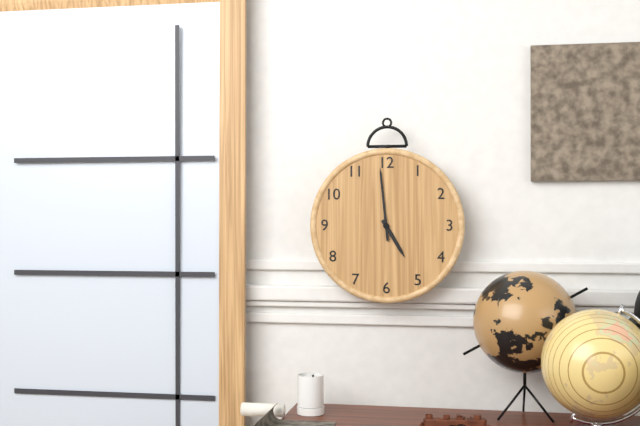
4:59
